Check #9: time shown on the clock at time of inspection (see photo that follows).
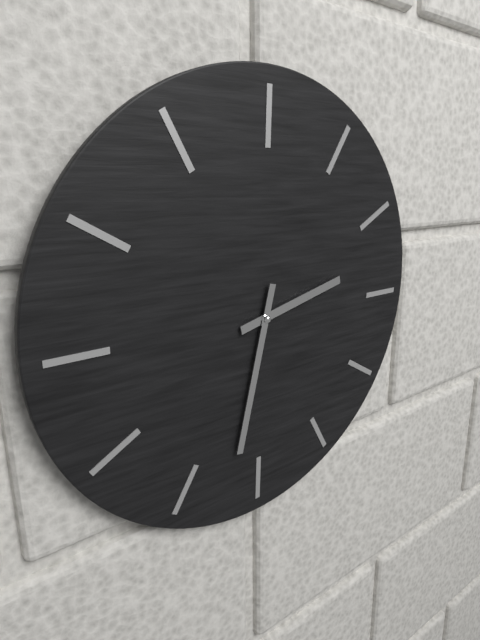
2:32
